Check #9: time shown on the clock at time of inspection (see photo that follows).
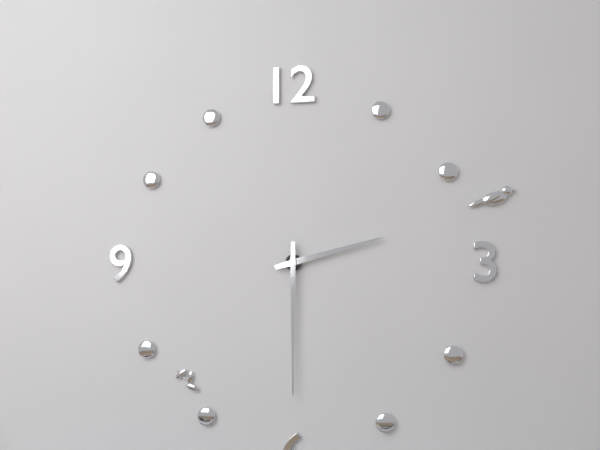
2:30
